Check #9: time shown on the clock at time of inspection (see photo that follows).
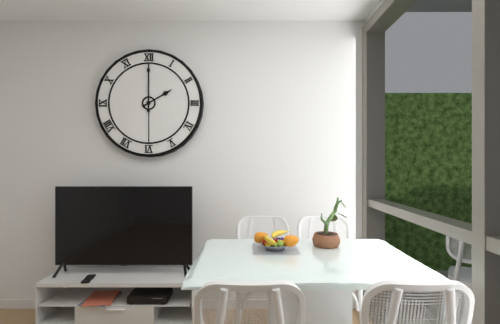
2:00
